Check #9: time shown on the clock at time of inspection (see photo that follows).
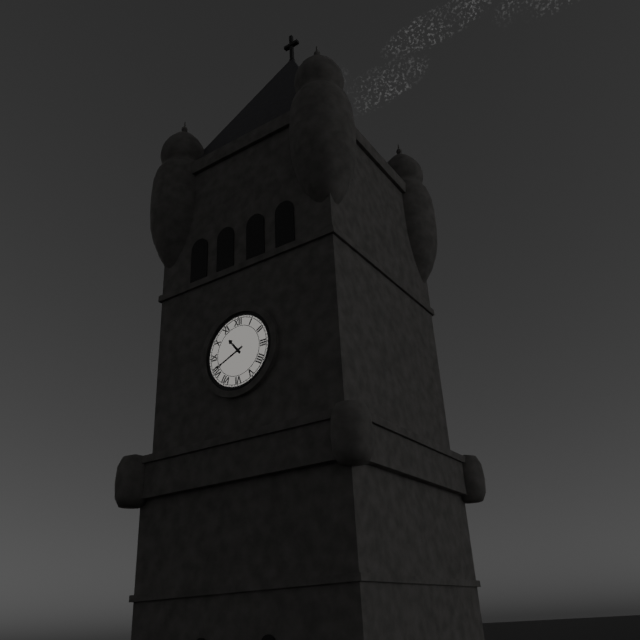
10:41
